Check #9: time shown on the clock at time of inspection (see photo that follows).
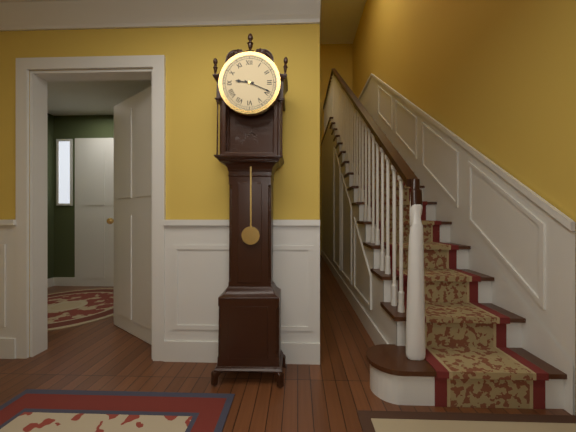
9:19
